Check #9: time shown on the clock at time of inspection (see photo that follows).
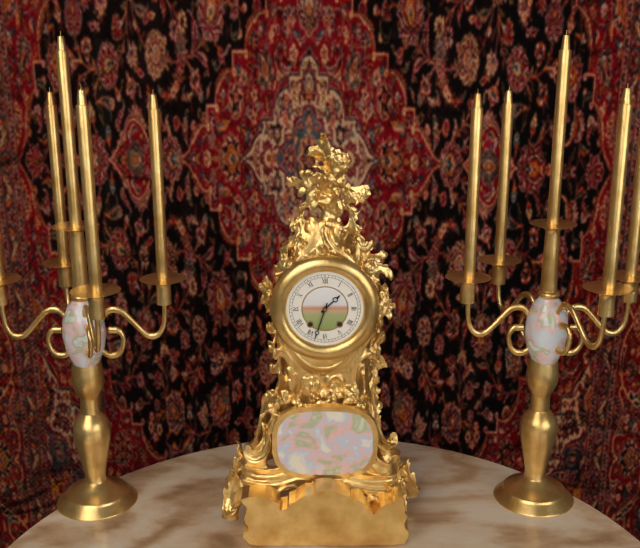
1:33
